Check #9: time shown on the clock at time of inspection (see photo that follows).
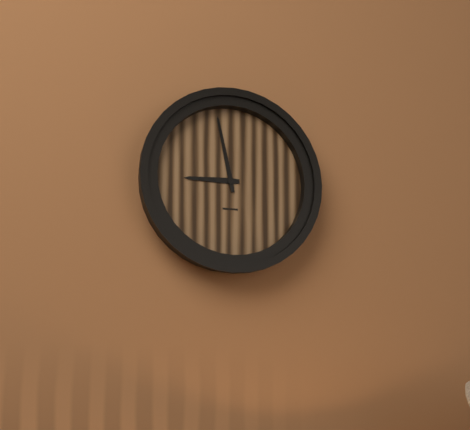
8:58
